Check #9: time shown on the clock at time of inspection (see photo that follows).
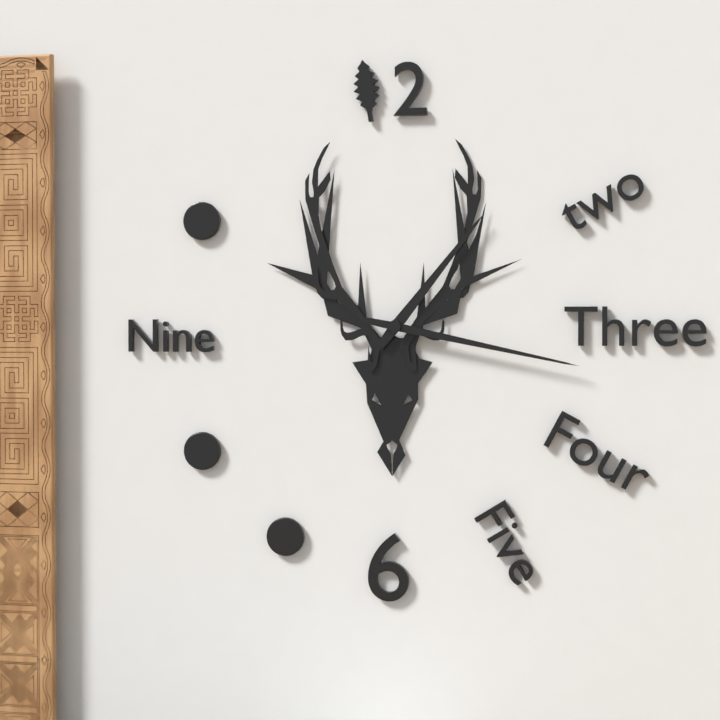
1:17
